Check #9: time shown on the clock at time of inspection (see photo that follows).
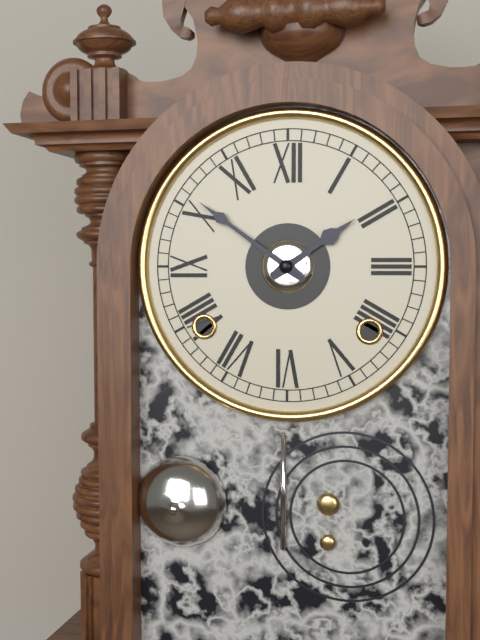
1:51
